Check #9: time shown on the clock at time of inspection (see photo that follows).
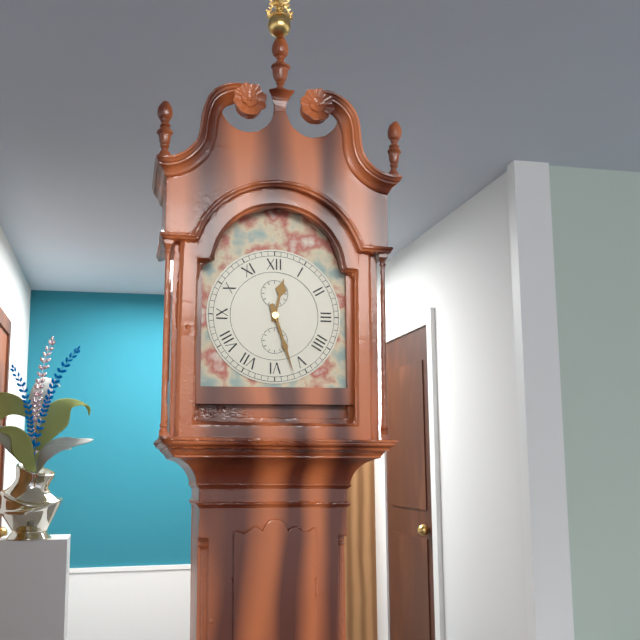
12:27
